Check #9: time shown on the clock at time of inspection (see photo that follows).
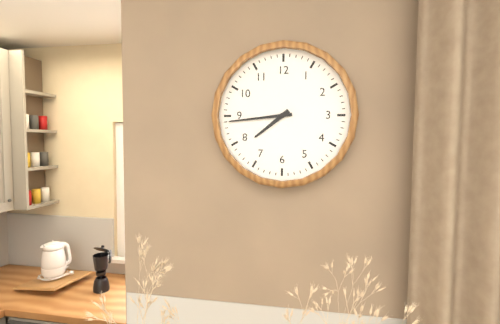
7:44
